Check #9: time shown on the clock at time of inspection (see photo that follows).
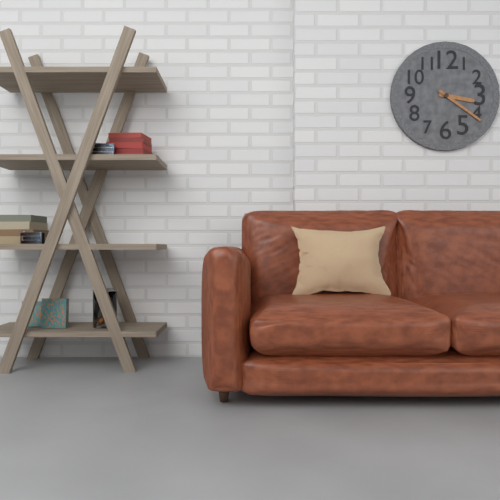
3:21
